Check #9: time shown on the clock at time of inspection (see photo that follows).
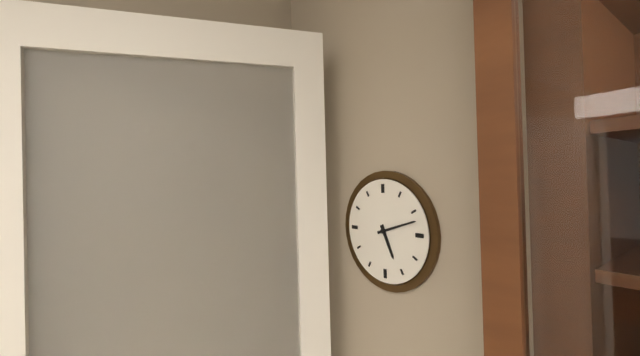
5:12
